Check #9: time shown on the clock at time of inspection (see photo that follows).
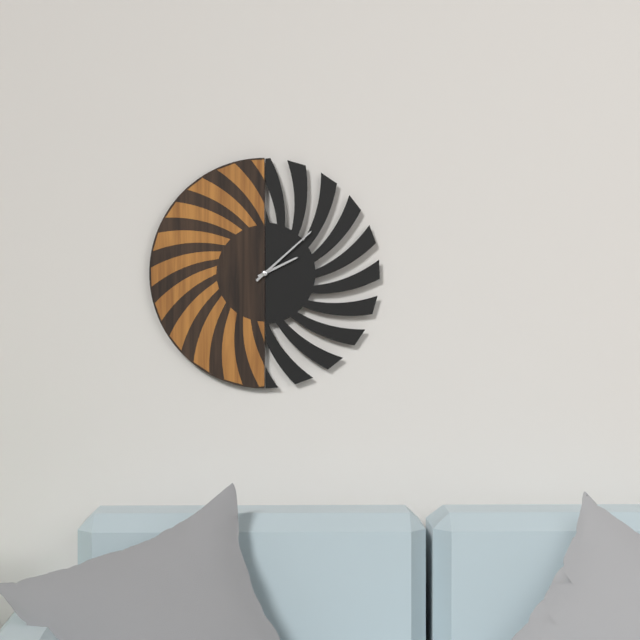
2:08
